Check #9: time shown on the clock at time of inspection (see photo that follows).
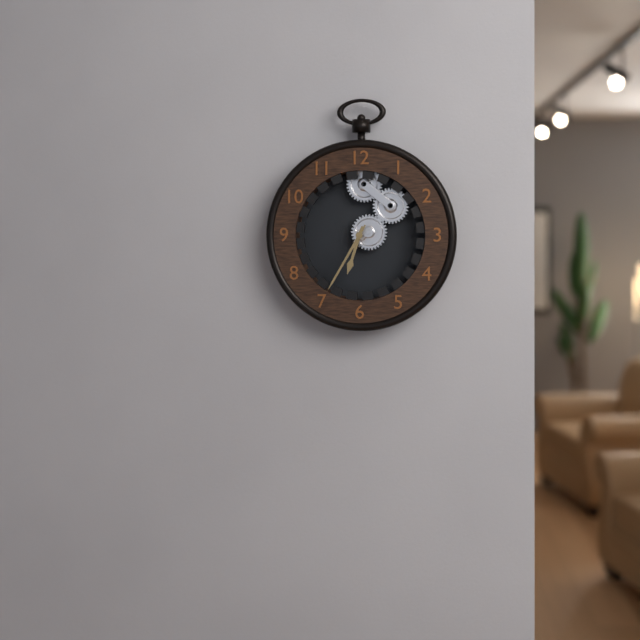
6:35
